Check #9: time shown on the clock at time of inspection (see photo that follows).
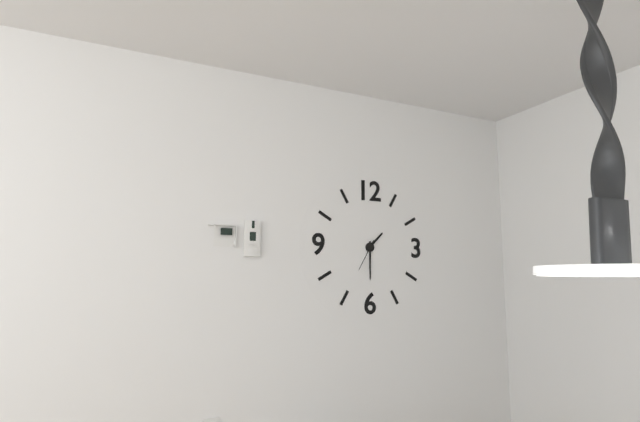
1:30
